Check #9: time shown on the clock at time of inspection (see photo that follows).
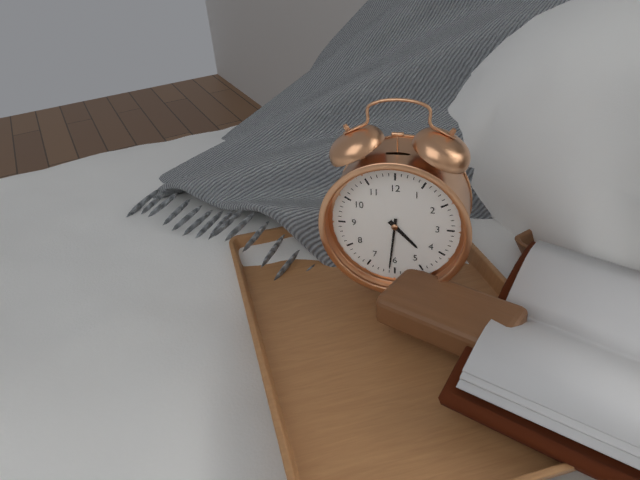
4:31
